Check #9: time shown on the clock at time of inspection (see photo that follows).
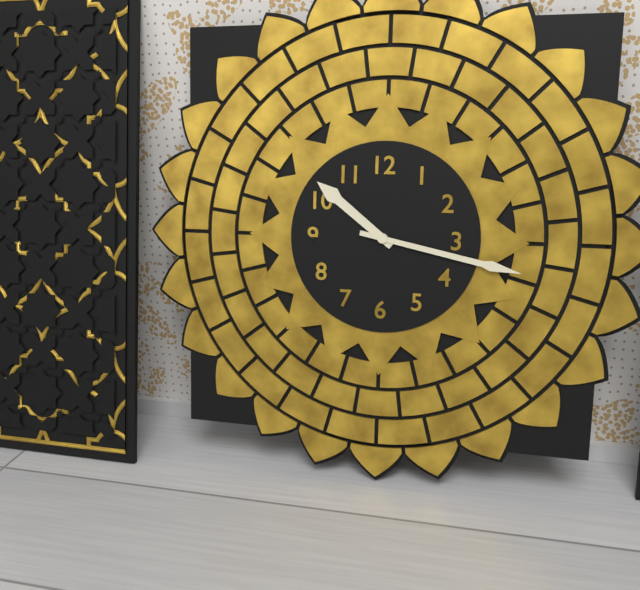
10:17
